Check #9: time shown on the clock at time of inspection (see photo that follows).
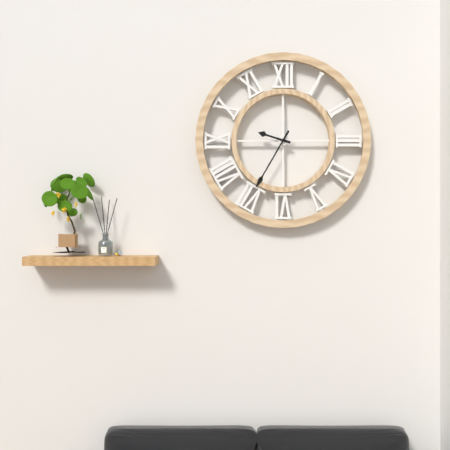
9:35
